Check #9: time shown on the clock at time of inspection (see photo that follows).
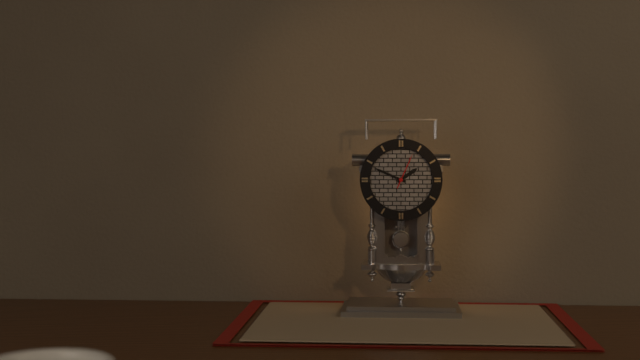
1:49
